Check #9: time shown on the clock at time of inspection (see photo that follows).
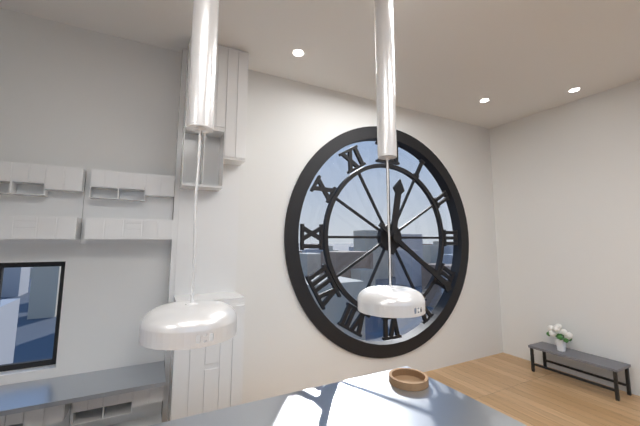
12:21
